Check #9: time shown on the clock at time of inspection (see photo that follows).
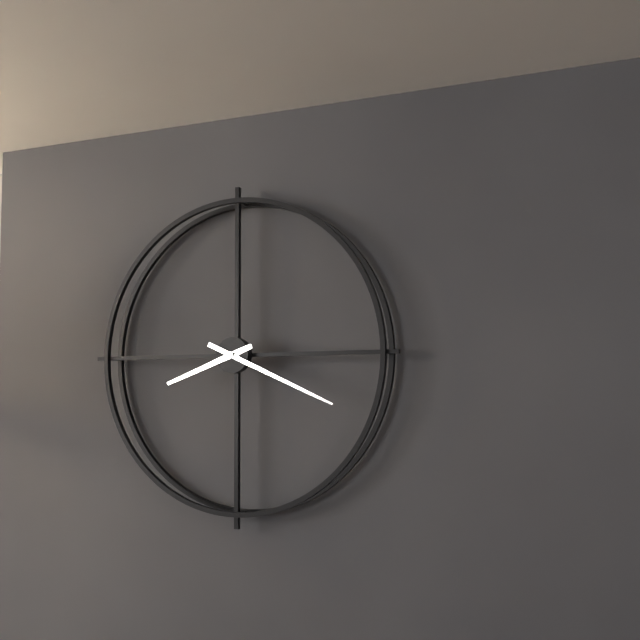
8:19
